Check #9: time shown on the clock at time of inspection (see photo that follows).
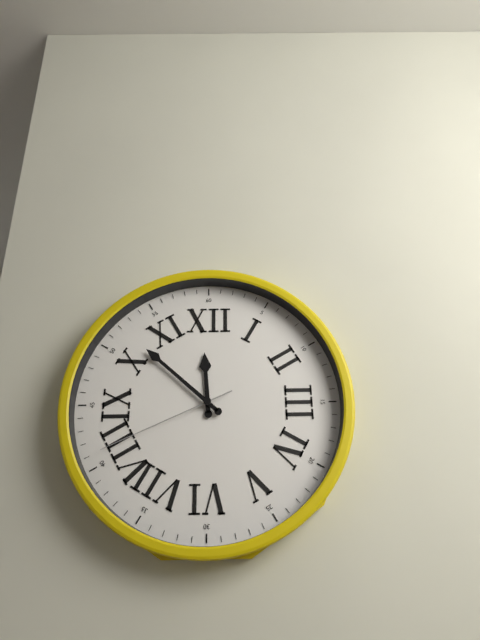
11:52:41
